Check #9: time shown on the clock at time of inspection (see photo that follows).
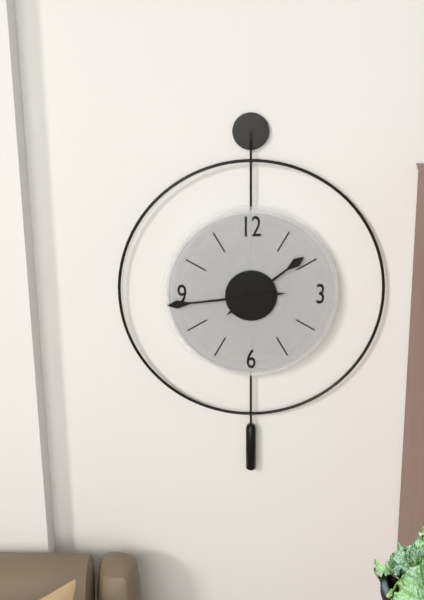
1:44
